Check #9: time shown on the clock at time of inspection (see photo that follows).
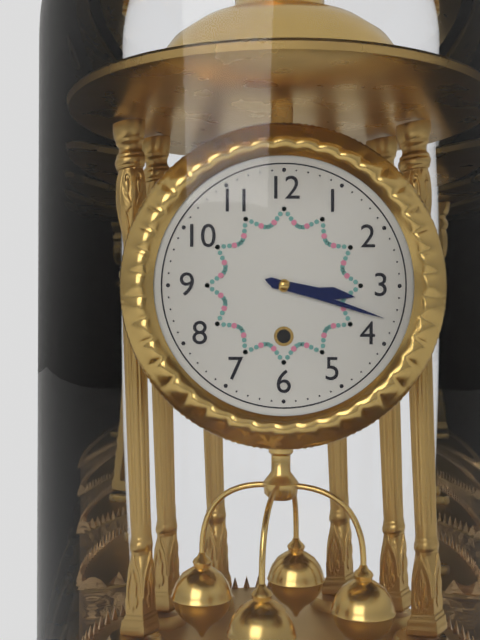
3:18
